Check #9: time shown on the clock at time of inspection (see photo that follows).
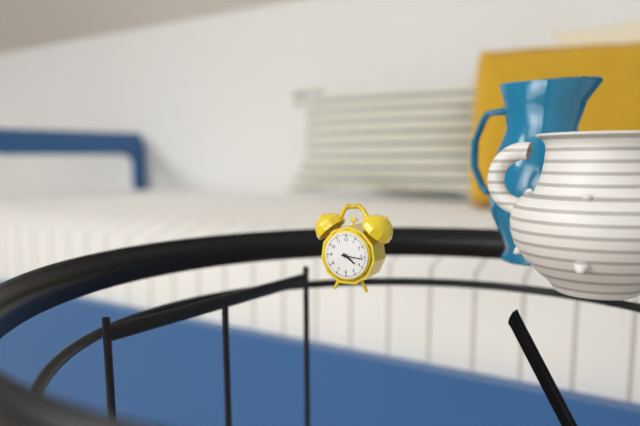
4:16
